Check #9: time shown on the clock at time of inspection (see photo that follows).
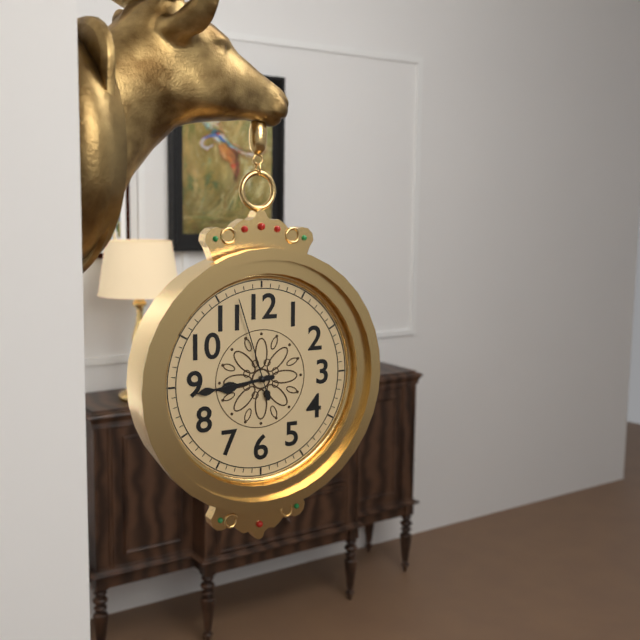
8:44:57
